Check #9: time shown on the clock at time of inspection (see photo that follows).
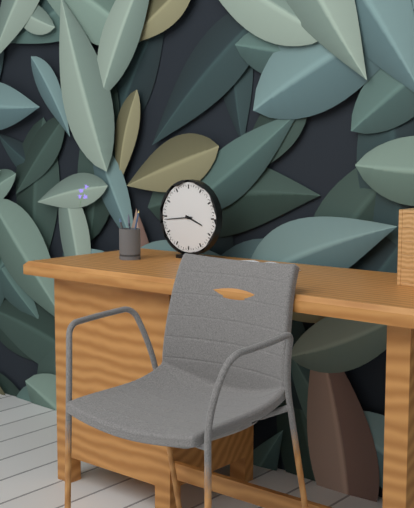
3:44
